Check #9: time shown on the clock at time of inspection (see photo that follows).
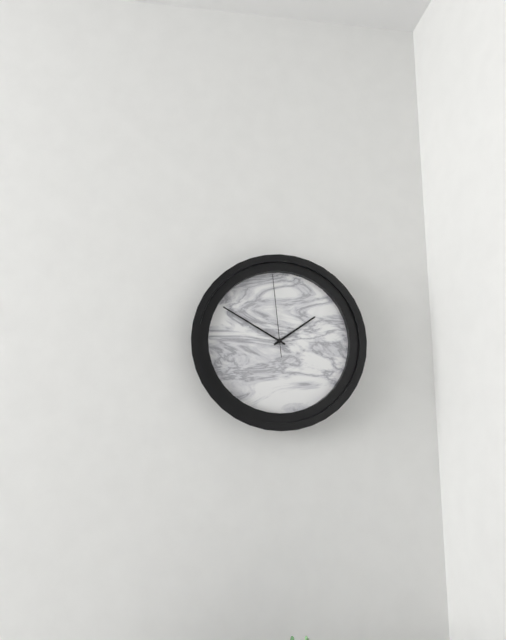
1:50:59
